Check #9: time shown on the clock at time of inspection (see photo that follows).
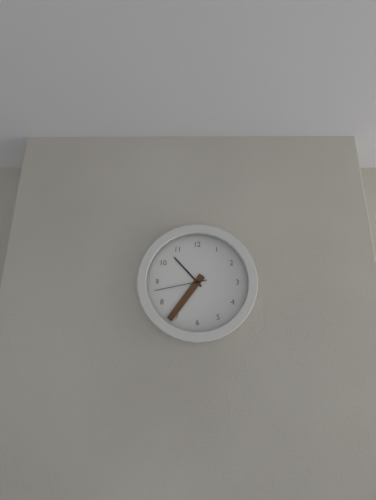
10:36:43
